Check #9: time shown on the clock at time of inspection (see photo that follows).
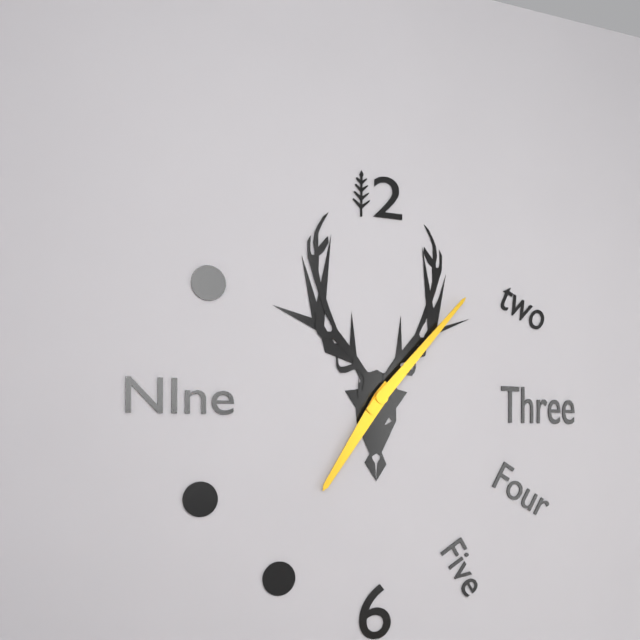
7:07
